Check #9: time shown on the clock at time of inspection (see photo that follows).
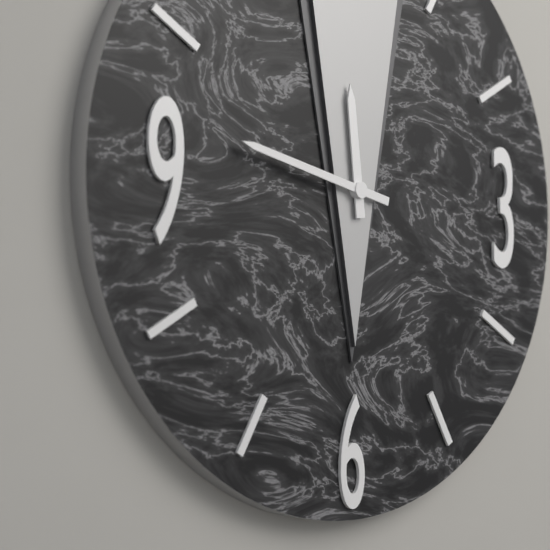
11:47
